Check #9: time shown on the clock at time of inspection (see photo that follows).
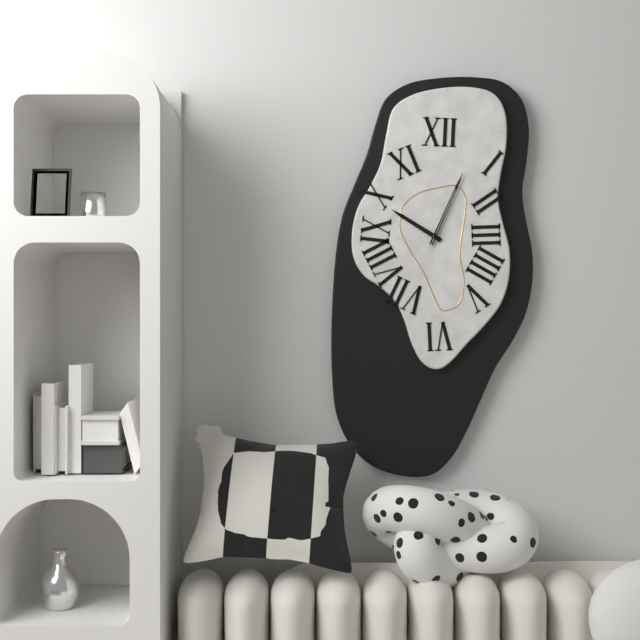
10:04:04
